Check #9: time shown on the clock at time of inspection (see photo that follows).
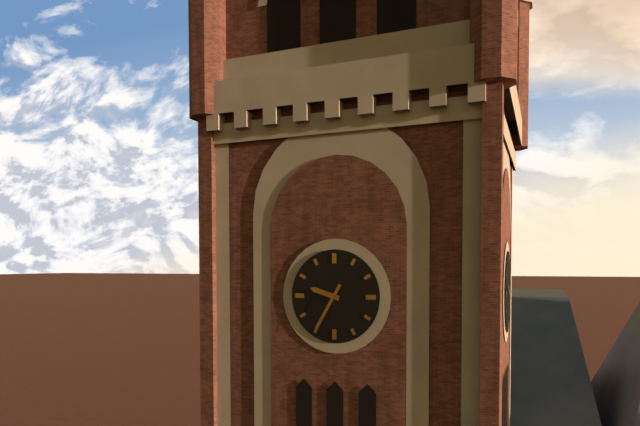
9:35
